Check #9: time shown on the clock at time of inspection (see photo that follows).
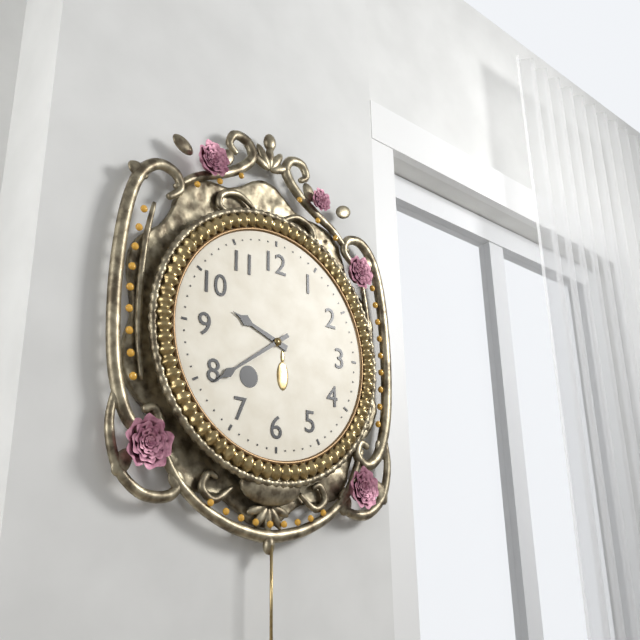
9:39
